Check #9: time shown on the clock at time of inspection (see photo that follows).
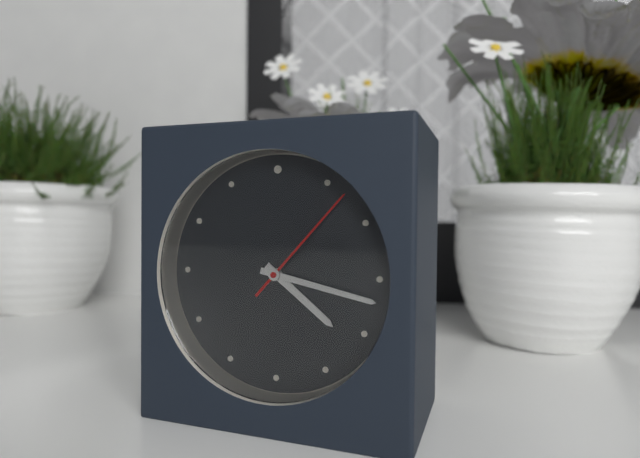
4:17:07
